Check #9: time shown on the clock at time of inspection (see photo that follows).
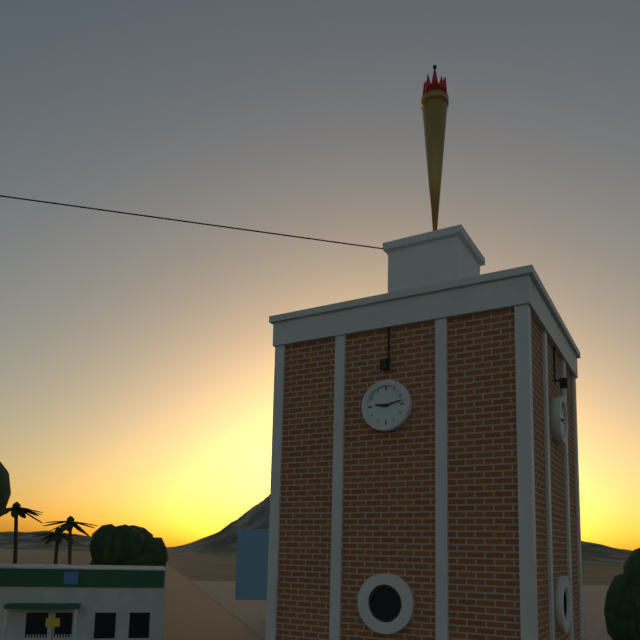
9:13
